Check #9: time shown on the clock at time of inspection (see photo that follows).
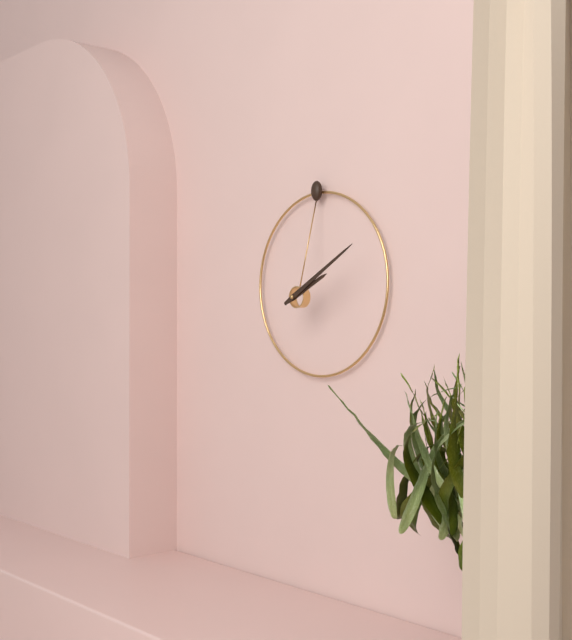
2:10
